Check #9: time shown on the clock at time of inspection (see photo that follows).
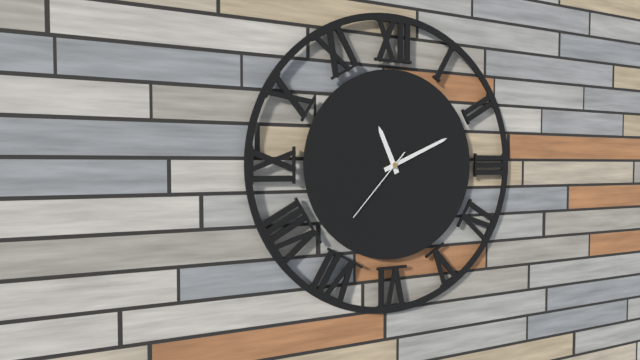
11:11:37
